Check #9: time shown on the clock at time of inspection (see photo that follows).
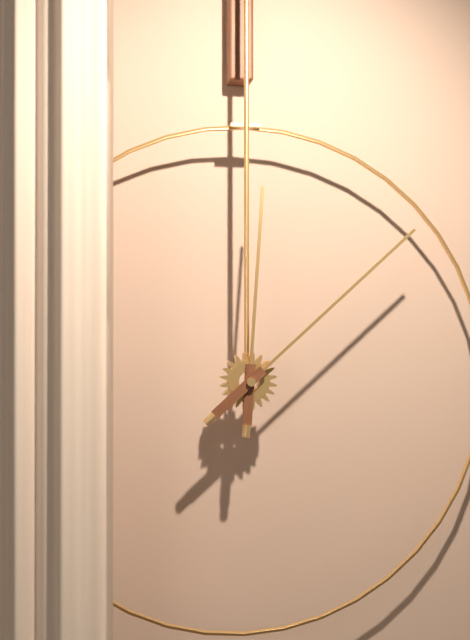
12:08
